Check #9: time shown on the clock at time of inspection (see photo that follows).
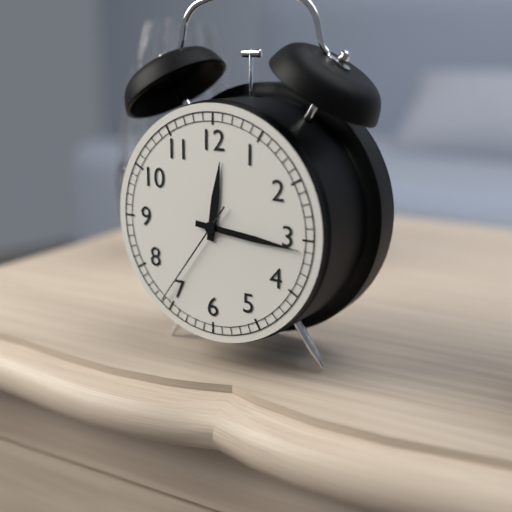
12:16:36
